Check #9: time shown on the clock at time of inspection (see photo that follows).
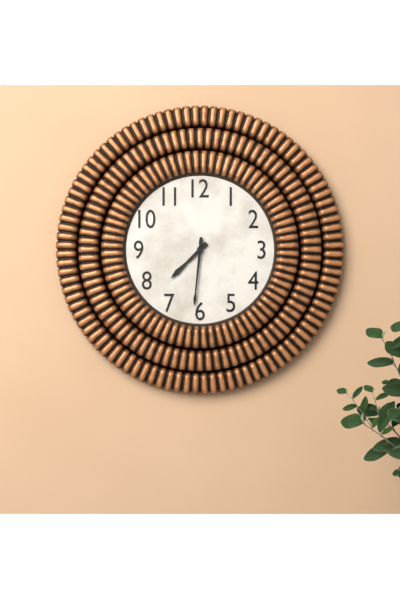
7:31
